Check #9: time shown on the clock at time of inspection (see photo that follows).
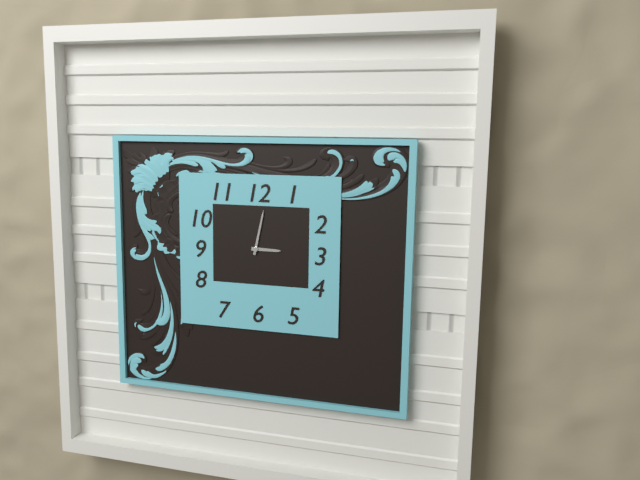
3:02
